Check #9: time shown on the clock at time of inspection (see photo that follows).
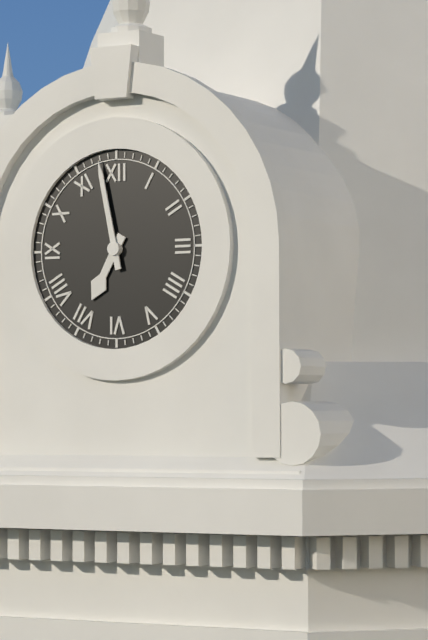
6:58
